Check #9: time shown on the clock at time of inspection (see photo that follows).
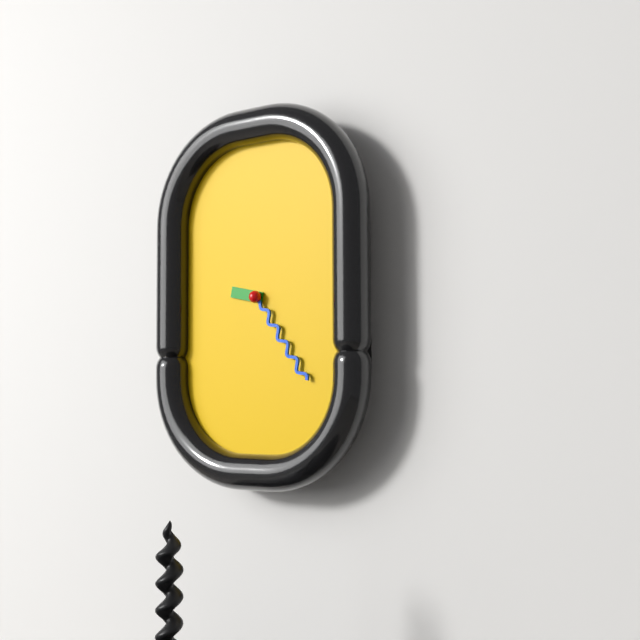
9:24
